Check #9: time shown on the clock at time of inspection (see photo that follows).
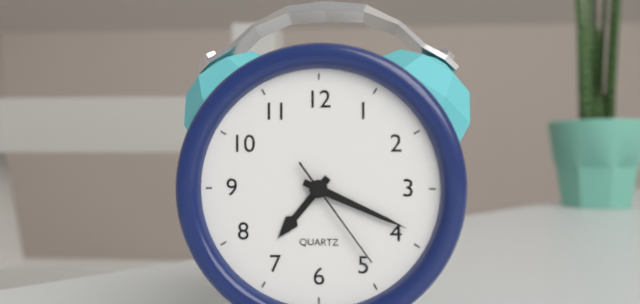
7:19:24
